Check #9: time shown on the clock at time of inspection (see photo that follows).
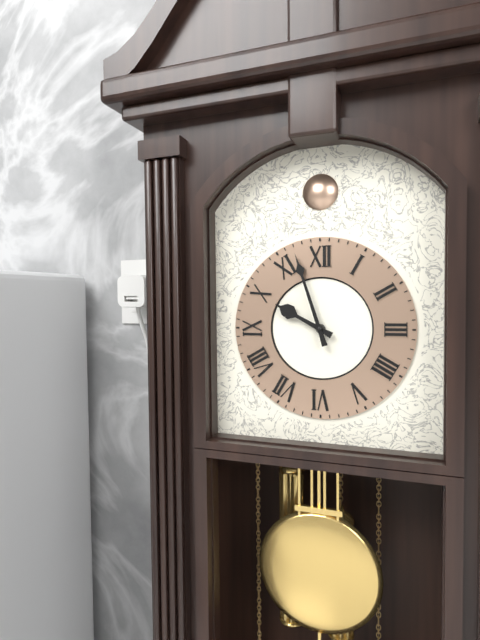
9:57
